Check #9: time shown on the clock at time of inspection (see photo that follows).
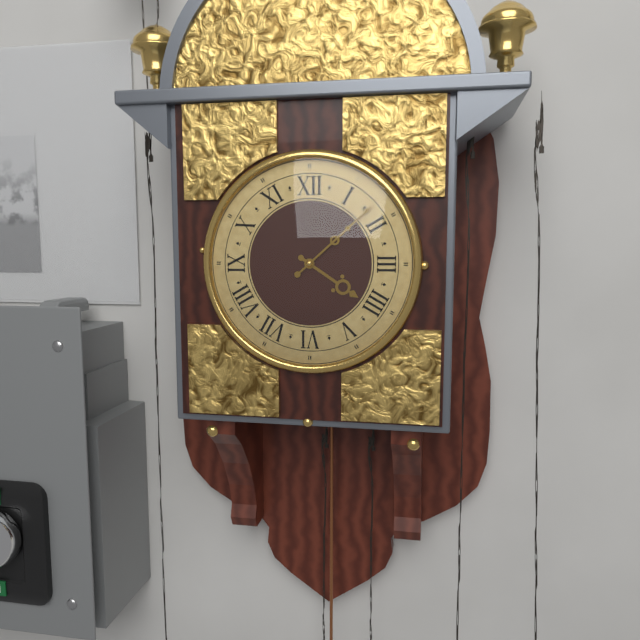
4:08
